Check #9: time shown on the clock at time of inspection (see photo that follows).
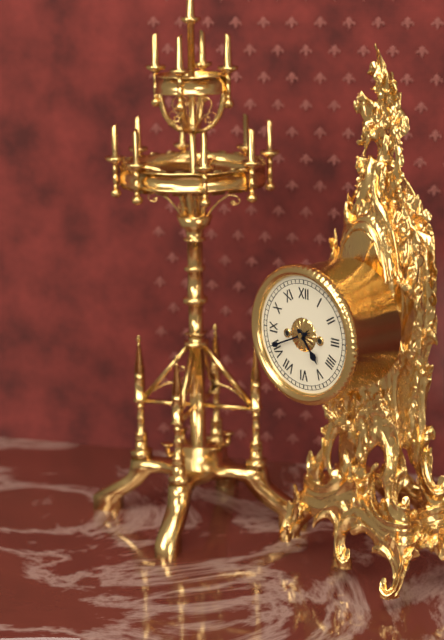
4:41
